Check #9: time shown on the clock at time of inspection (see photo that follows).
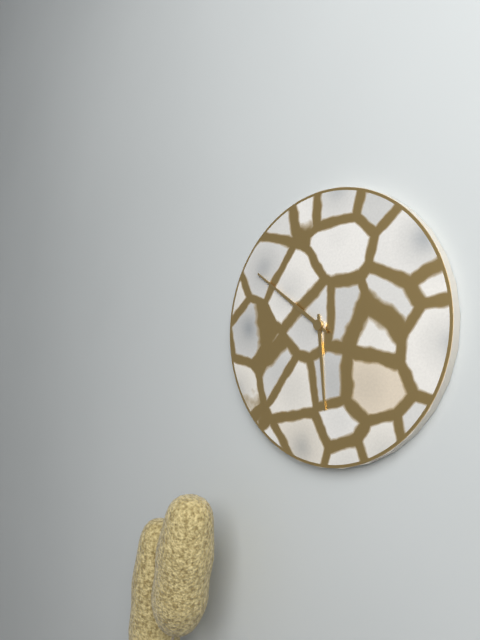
5:51
